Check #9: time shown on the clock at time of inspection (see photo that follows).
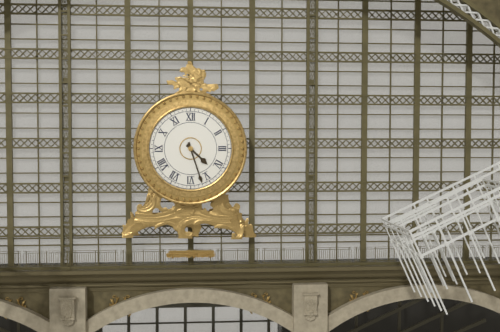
4:27
